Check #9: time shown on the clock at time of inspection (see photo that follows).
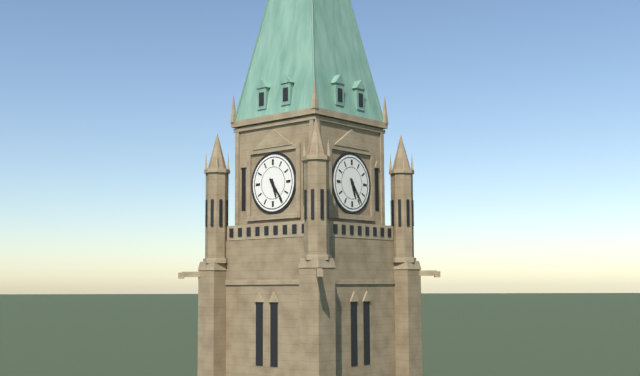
5:24
